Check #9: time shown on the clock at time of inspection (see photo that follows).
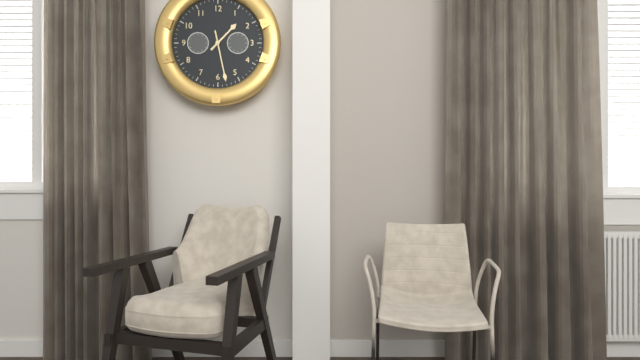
1:28
